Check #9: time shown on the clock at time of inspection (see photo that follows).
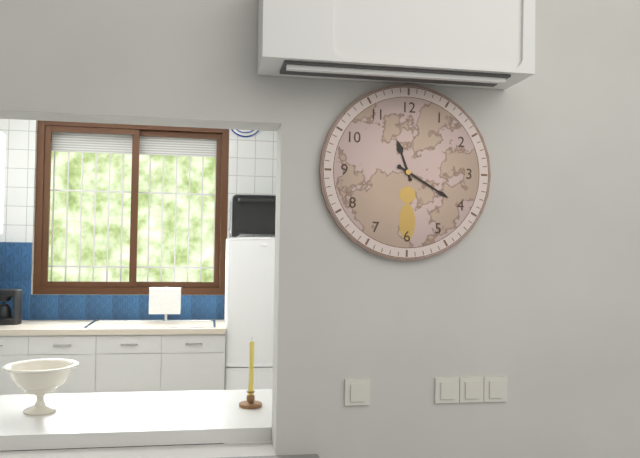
11:20
